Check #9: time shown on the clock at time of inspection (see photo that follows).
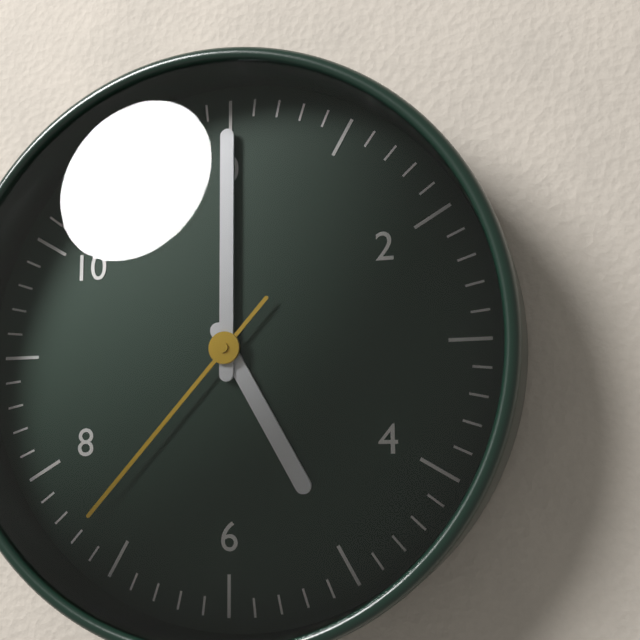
5:00:37
